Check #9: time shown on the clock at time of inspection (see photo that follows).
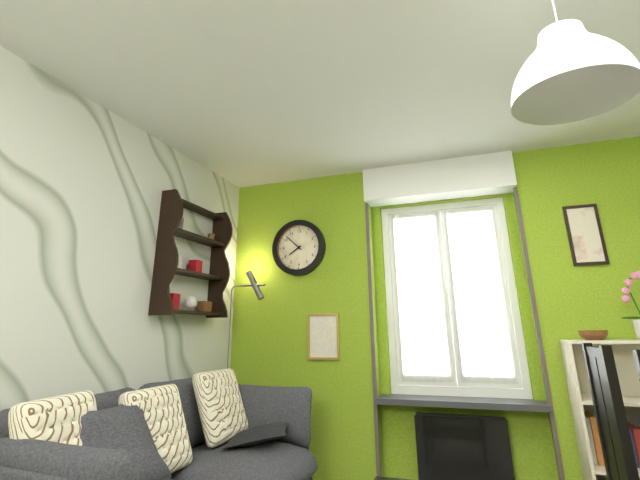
7:52
